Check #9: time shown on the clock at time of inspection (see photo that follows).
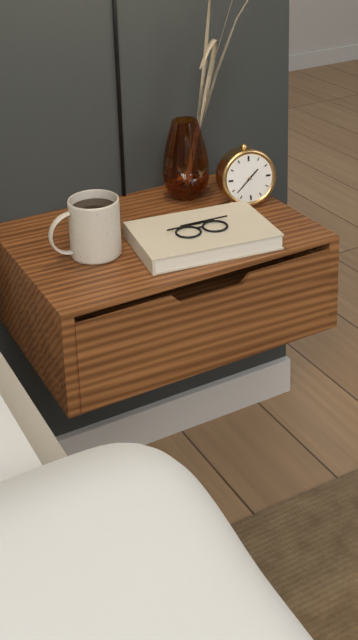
1:38
